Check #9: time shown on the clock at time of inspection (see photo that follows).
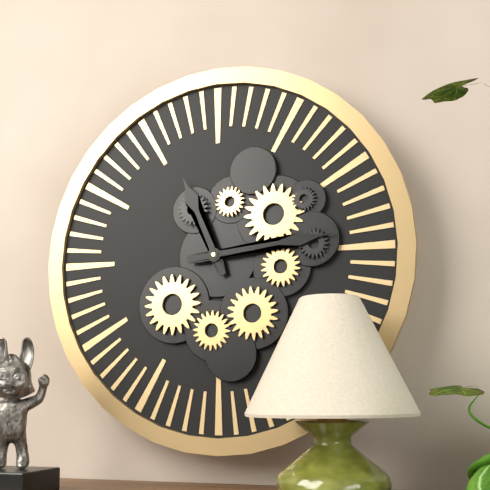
11:14
